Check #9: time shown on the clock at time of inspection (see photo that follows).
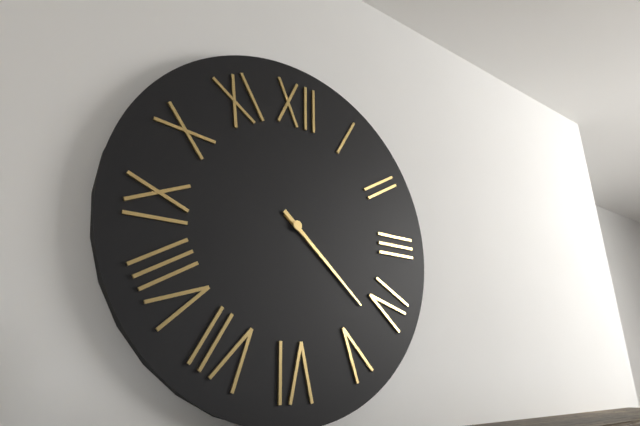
4:22
